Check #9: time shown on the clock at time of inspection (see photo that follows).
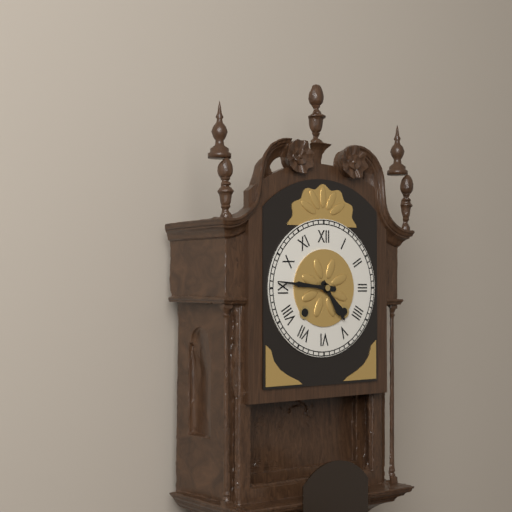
4:46
